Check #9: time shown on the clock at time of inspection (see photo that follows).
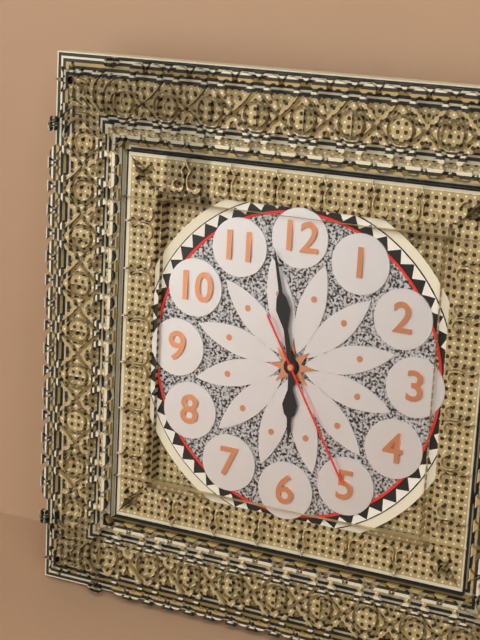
5:58:25
